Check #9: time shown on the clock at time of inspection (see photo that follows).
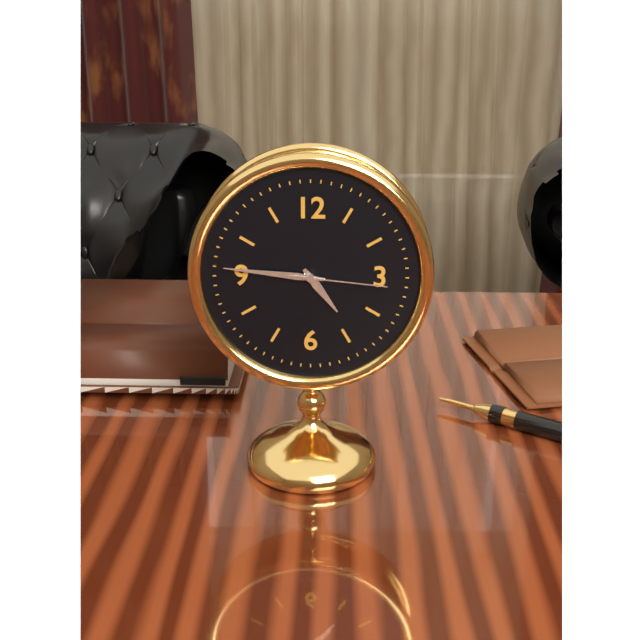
4:46:16
